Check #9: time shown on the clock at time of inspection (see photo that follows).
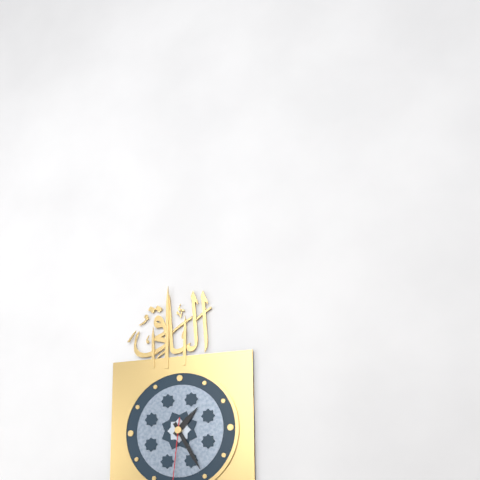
1:25
